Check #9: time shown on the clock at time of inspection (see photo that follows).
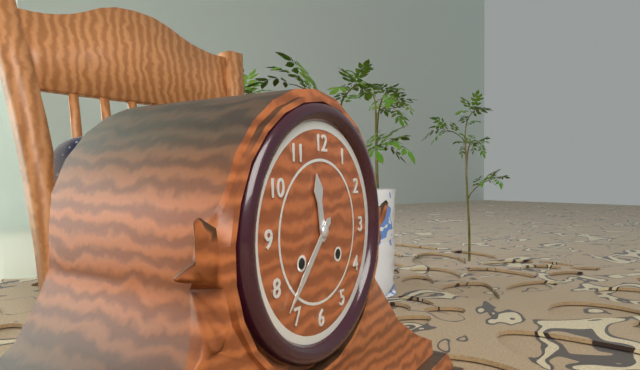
11:37
